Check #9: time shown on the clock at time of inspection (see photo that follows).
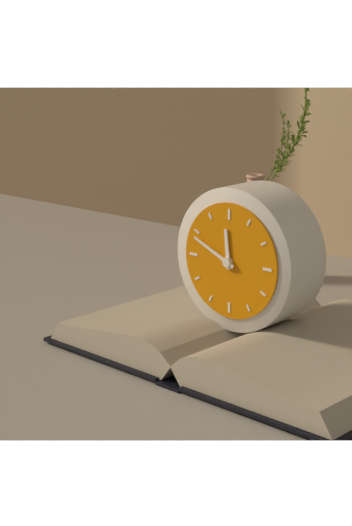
11:49
